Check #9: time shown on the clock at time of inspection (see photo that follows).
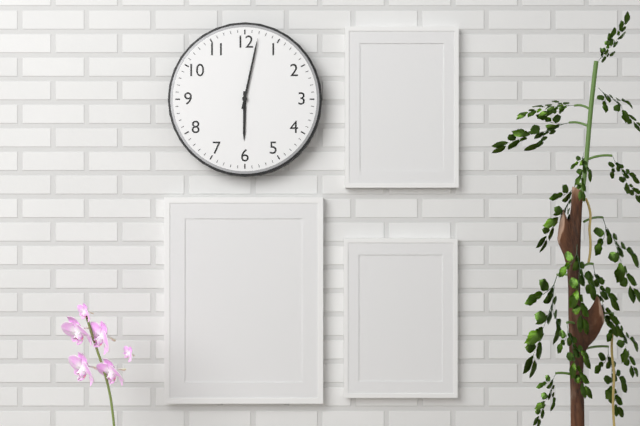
6:02
